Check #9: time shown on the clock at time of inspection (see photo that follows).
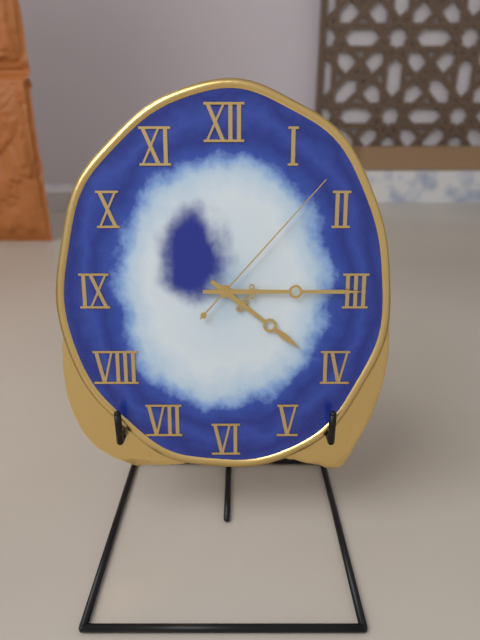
4:15:07
